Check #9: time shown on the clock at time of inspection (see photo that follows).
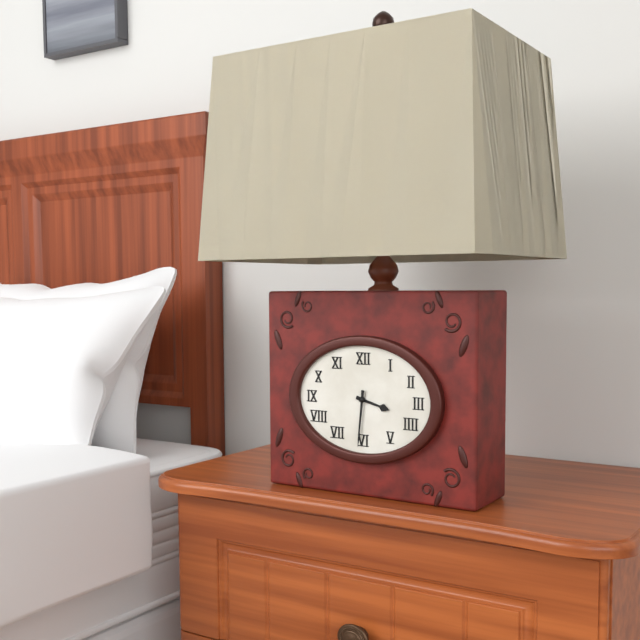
3:31
